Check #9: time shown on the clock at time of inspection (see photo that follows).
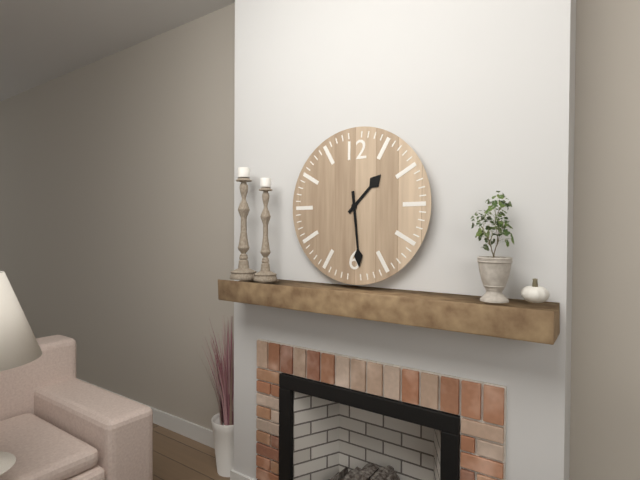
1:29
